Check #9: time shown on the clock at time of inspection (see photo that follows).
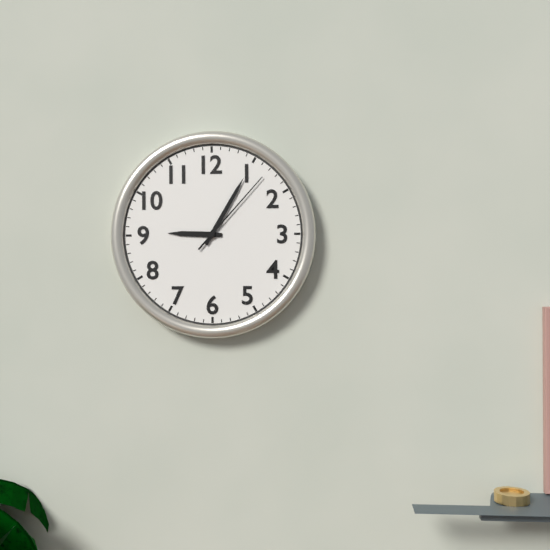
9:05:07
